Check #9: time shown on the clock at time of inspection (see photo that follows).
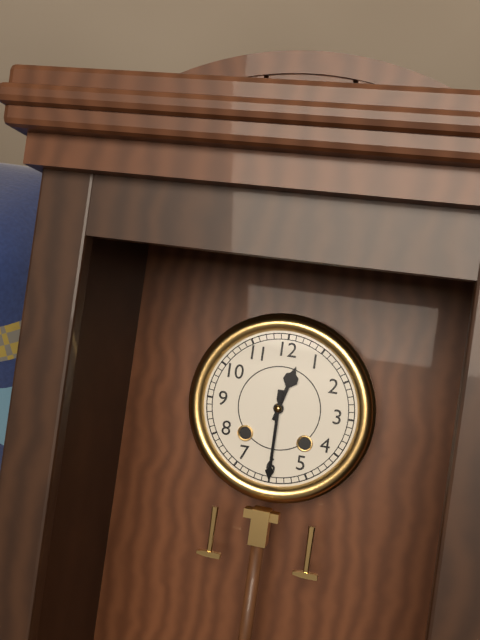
12:30
